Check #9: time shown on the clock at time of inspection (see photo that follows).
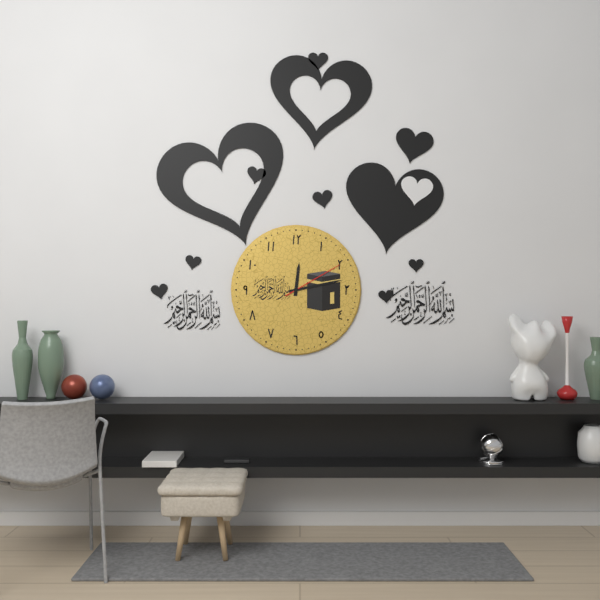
12:13:10
